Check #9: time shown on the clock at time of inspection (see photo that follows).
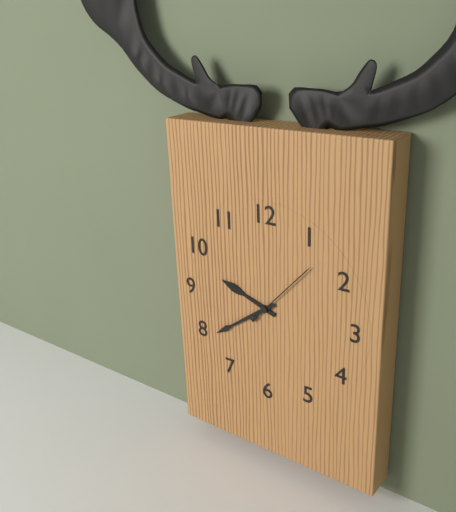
9:39
